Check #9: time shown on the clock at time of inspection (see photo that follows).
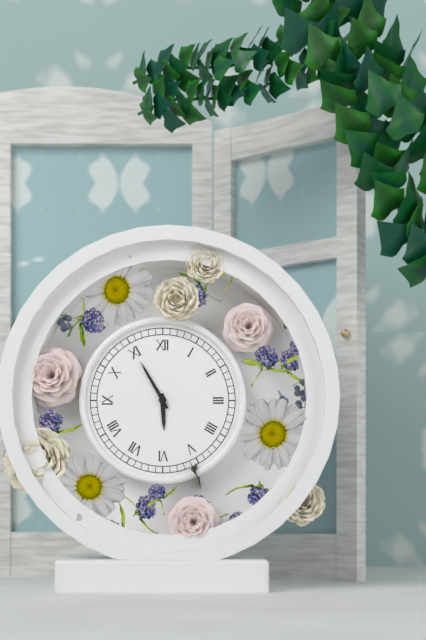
5:55
